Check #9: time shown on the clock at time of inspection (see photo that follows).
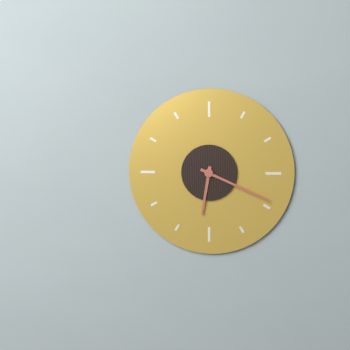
6:19
